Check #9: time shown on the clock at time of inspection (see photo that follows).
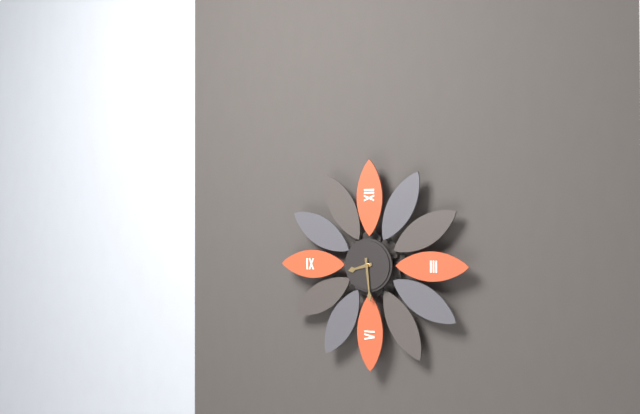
8:29
